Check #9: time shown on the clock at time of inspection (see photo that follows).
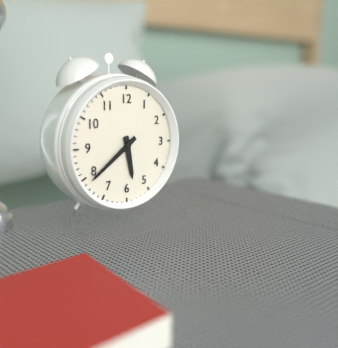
5:39
